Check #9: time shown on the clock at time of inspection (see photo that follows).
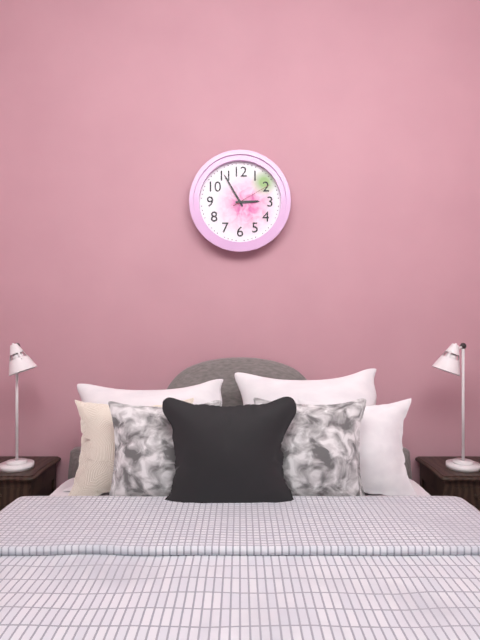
2:55
